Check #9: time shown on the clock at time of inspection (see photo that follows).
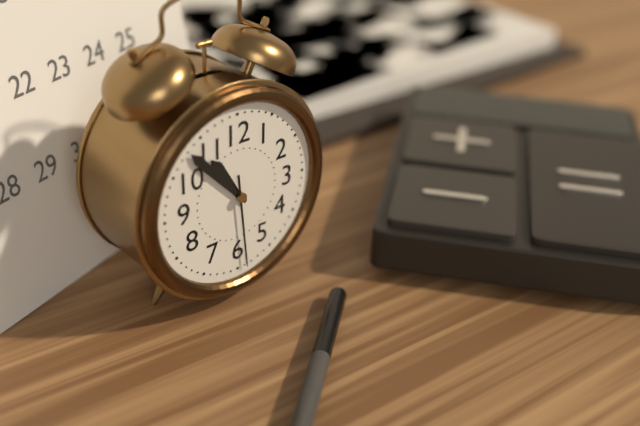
10:53:29
